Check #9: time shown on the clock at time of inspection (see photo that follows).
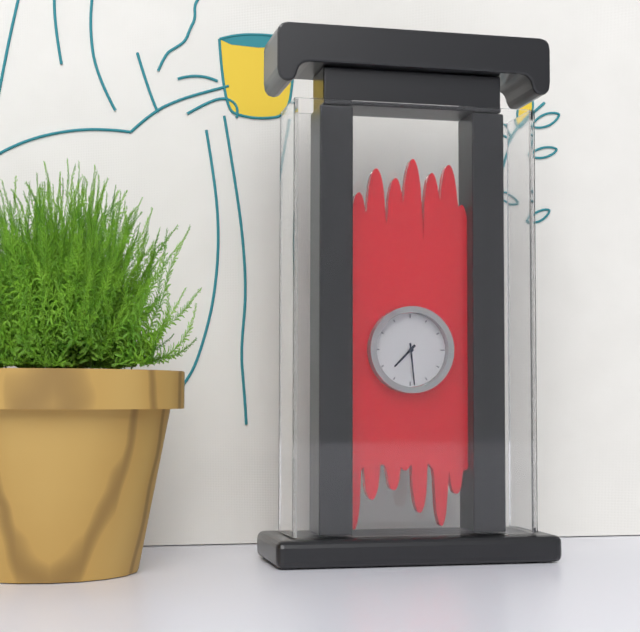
7:29
